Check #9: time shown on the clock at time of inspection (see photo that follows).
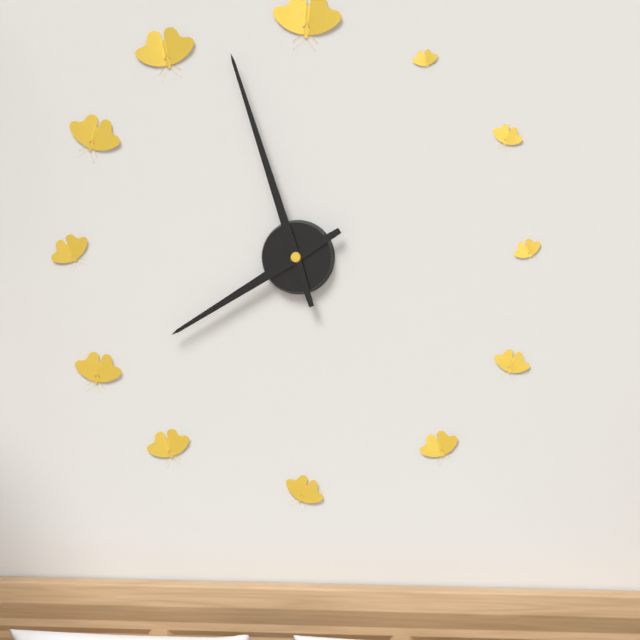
7:57
